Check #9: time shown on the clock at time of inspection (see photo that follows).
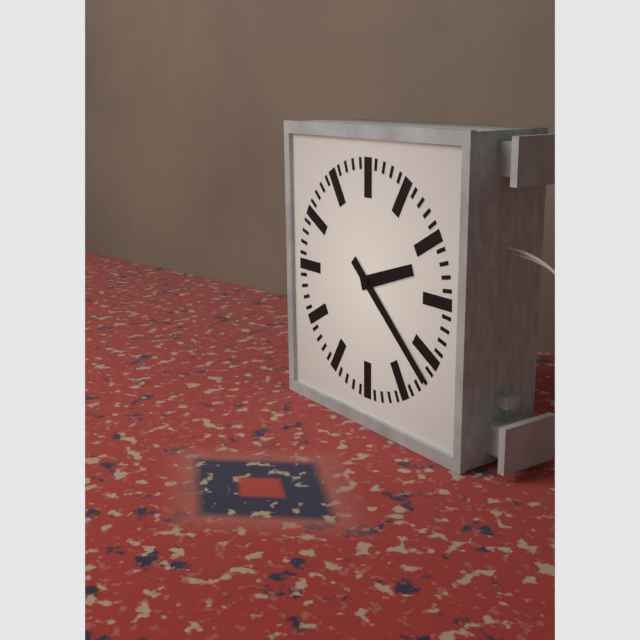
2:22
